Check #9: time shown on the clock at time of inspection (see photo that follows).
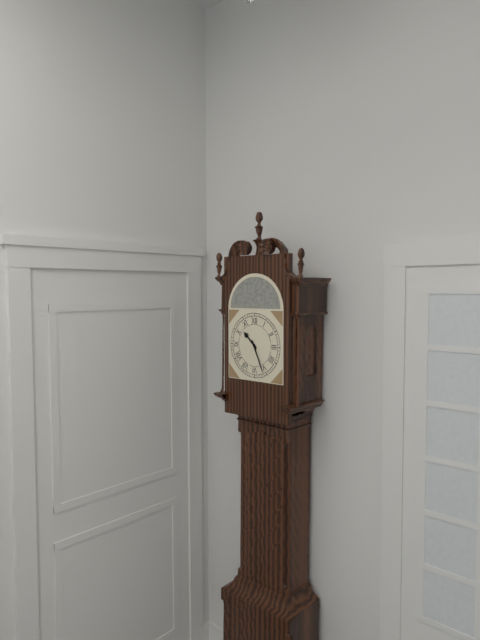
10:26
